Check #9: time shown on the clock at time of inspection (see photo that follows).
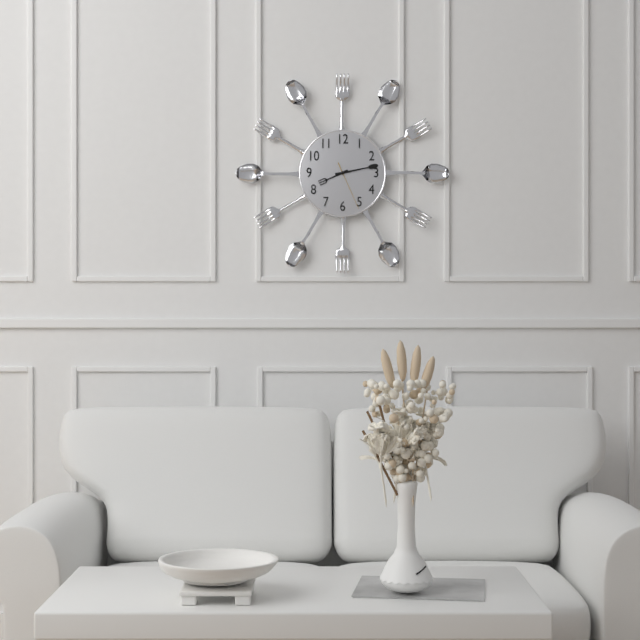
8:13
